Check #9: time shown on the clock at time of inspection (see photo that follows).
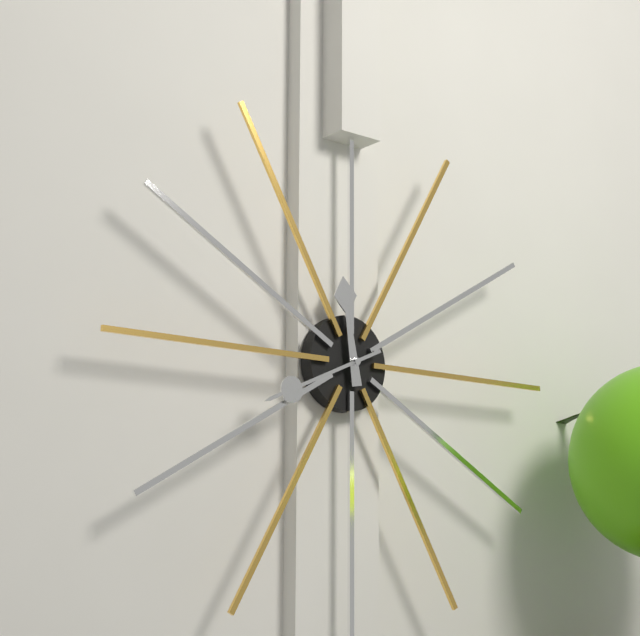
11:41
